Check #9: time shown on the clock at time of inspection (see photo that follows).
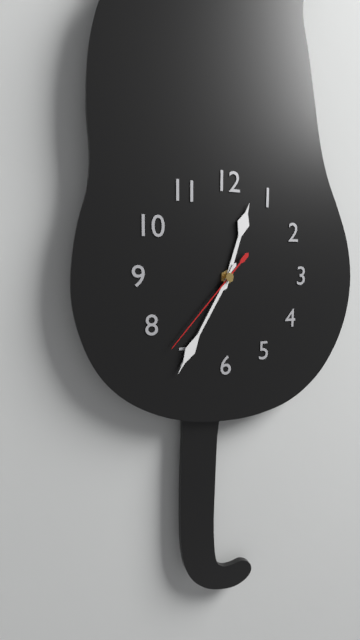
12:35:37
